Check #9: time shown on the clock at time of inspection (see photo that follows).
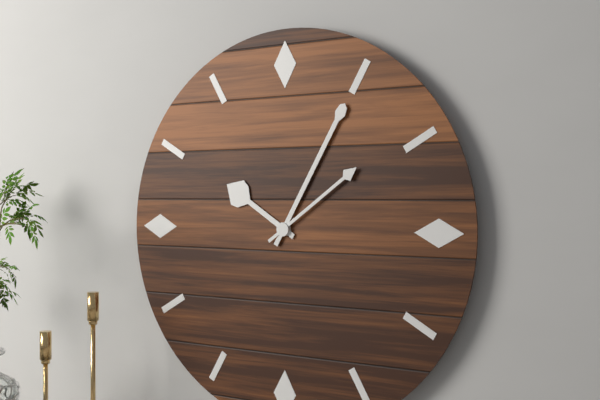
10:05:09
